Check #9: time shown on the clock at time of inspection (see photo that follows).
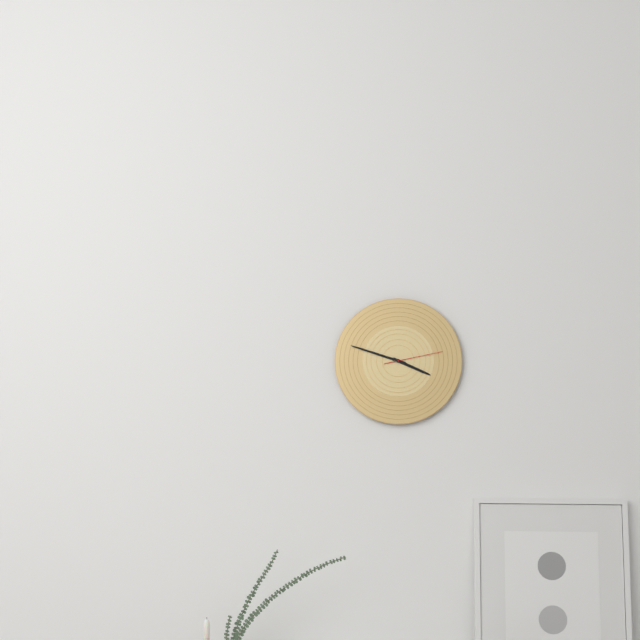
3:48:13
